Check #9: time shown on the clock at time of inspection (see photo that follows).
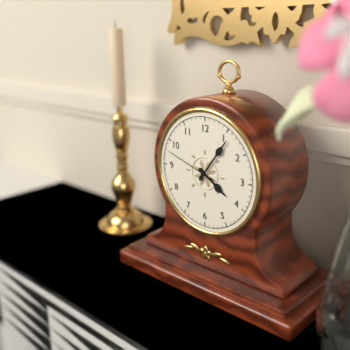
4:06:48
